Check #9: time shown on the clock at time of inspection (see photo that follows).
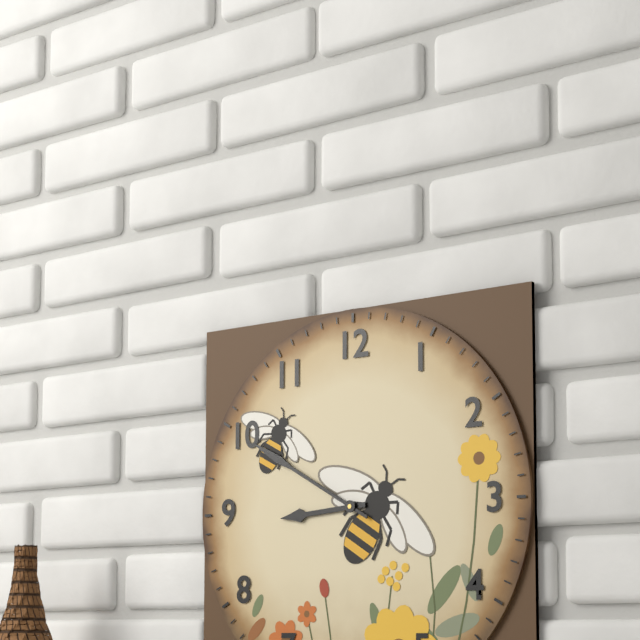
8:50
